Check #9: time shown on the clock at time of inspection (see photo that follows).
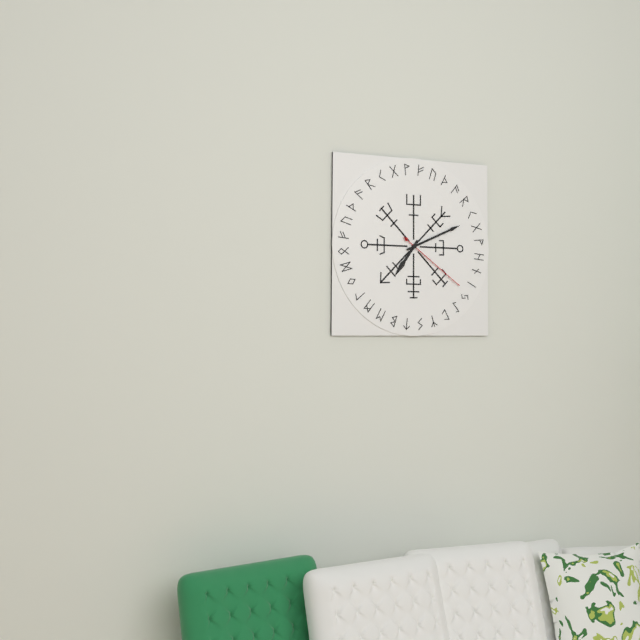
7:11:21
